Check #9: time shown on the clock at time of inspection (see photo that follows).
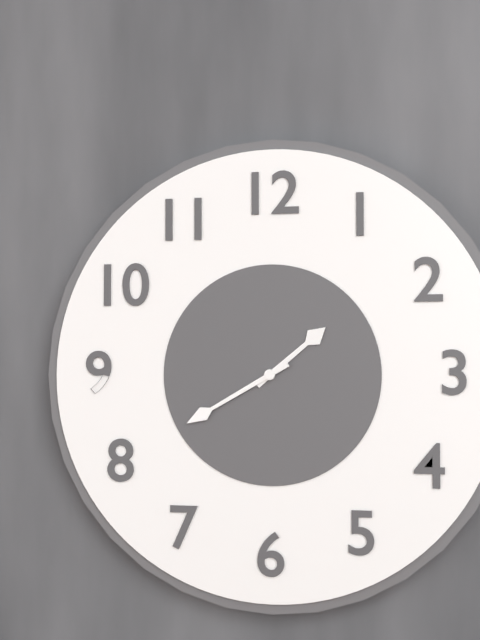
1:40
